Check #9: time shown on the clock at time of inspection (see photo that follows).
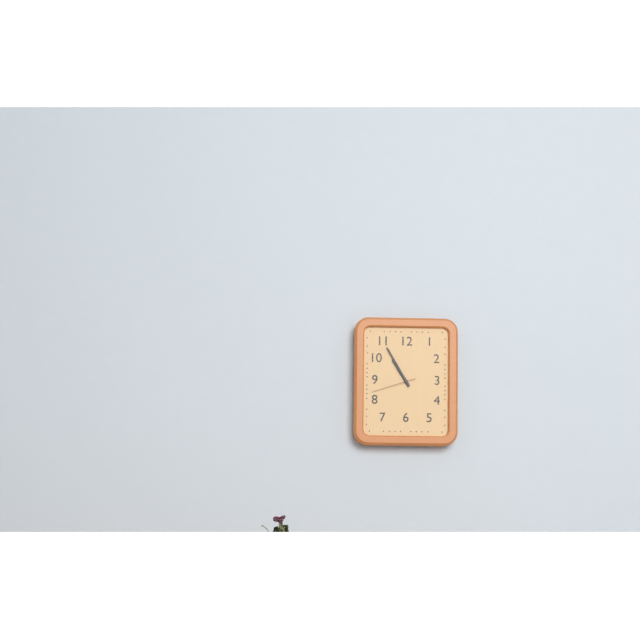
10:55
